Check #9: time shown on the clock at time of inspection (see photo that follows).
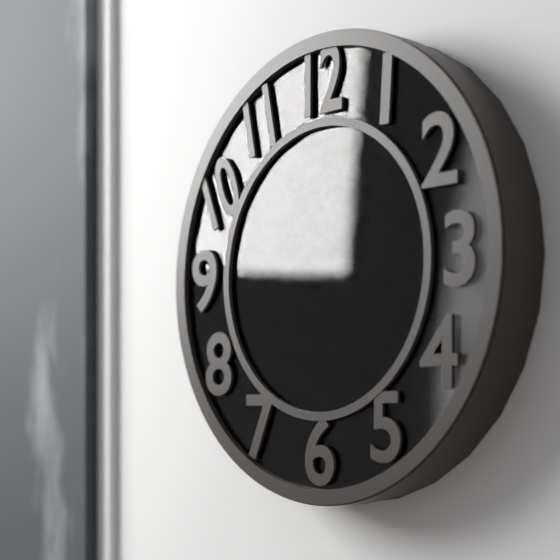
3:32
